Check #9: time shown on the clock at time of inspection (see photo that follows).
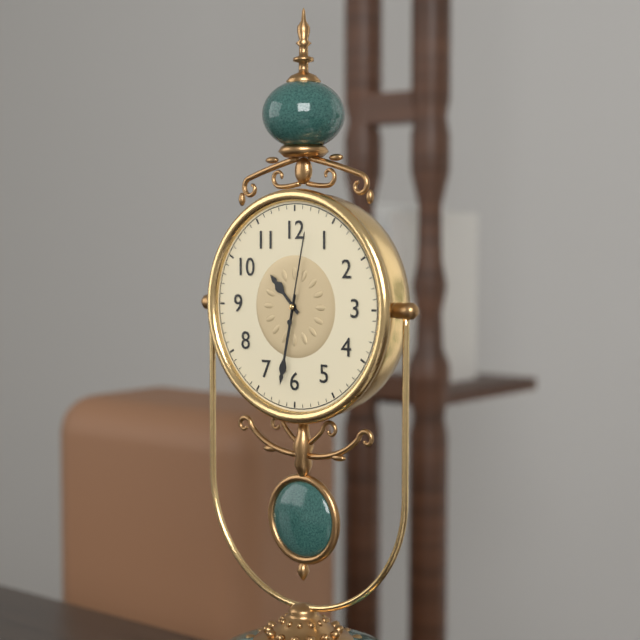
10:32:02
